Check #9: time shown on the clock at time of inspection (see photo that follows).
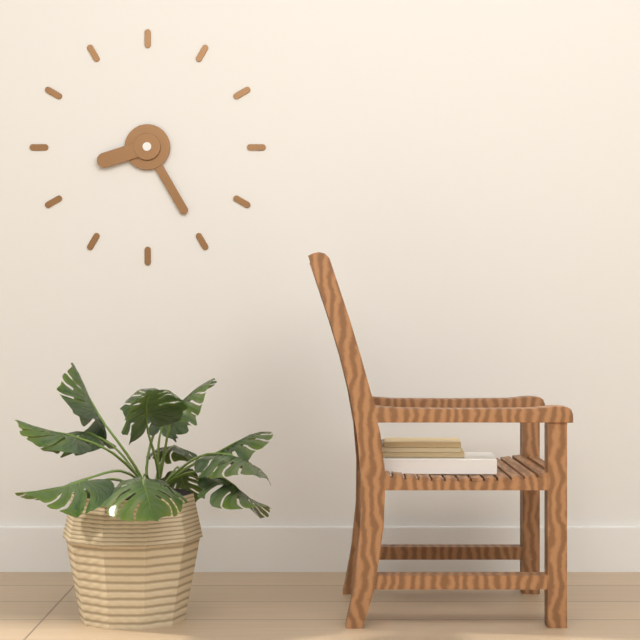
8:25
